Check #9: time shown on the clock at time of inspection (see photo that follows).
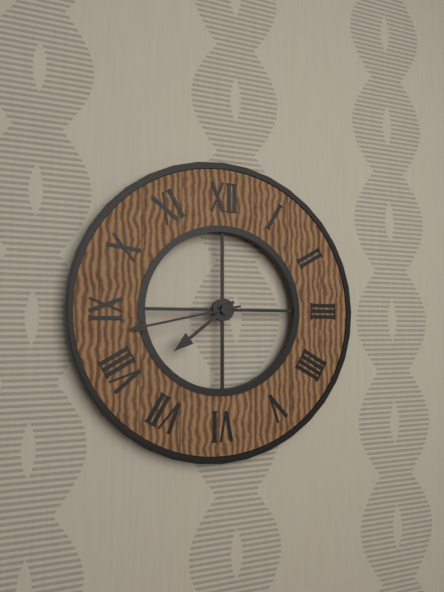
7:43
